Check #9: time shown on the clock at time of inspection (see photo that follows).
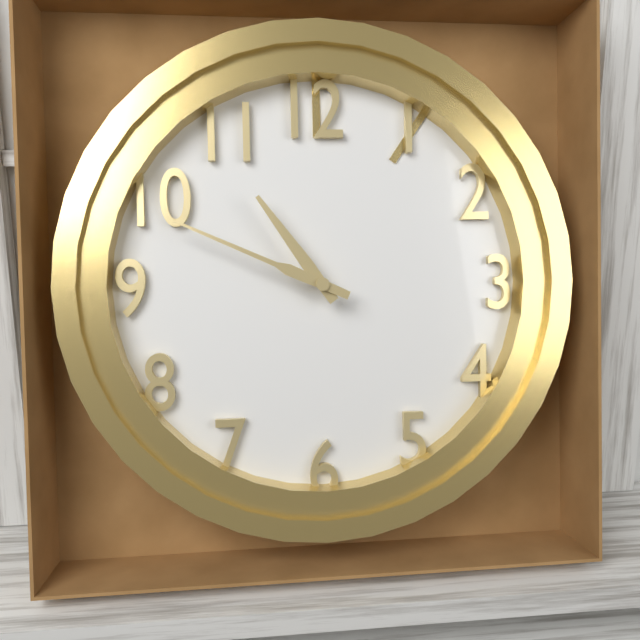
10:49
